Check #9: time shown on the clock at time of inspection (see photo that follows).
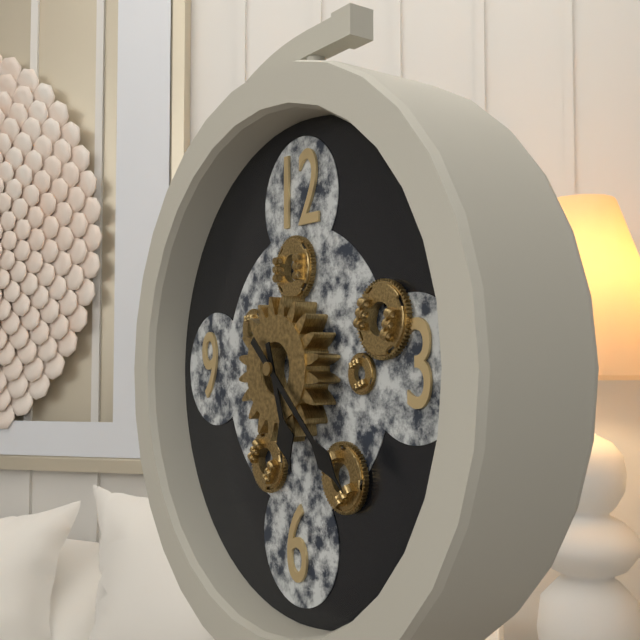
5:22
